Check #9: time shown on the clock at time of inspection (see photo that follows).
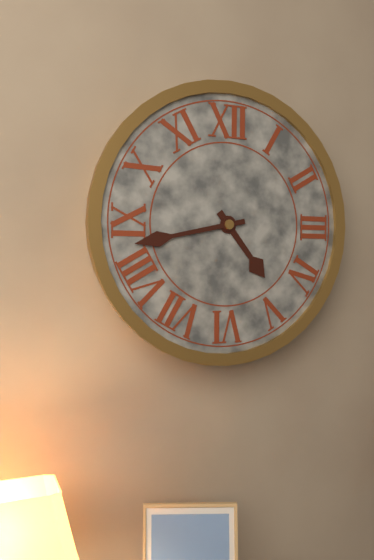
4:43
